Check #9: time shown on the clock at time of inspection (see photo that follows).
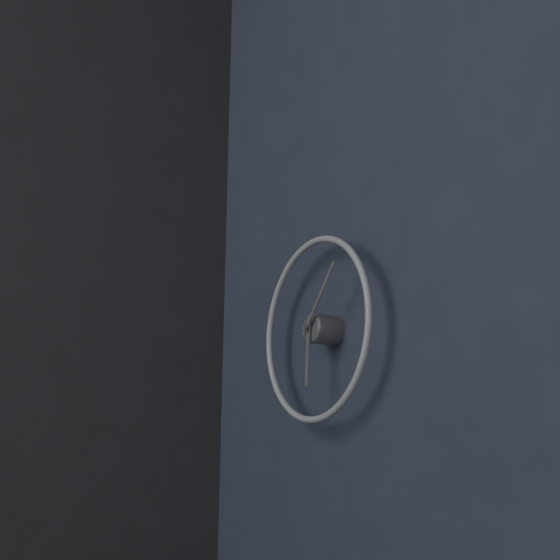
6:07
